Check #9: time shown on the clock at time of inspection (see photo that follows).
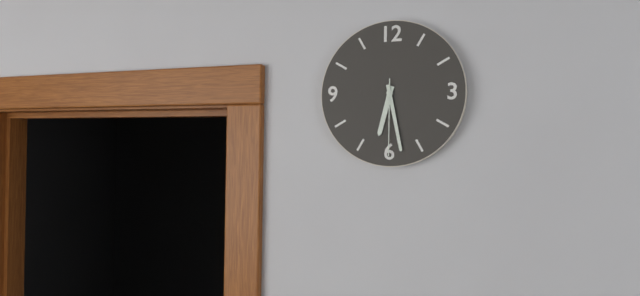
6:28:30
